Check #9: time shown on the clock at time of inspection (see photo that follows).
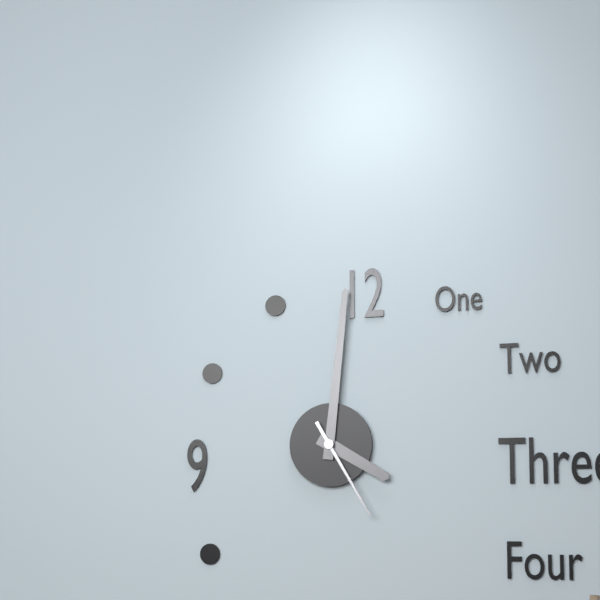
4:01:25
